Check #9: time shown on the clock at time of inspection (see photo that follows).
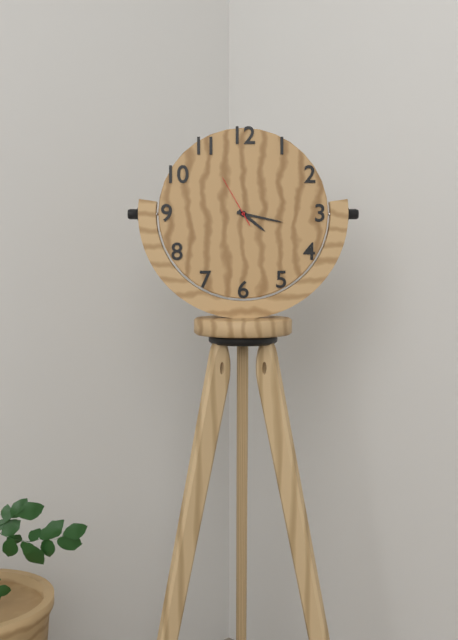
4:17:55
